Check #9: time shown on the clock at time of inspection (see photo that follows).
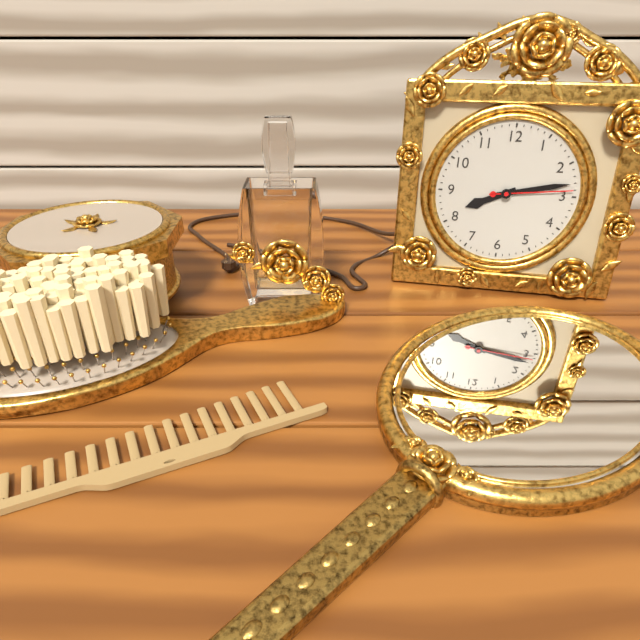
8:13:14
